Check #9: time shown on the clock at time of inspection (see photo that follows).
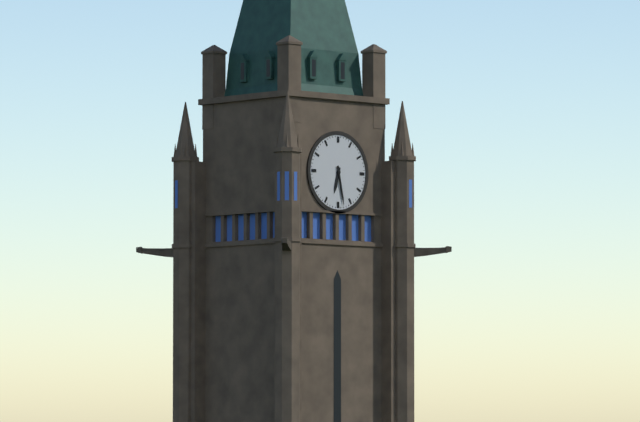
6:28
